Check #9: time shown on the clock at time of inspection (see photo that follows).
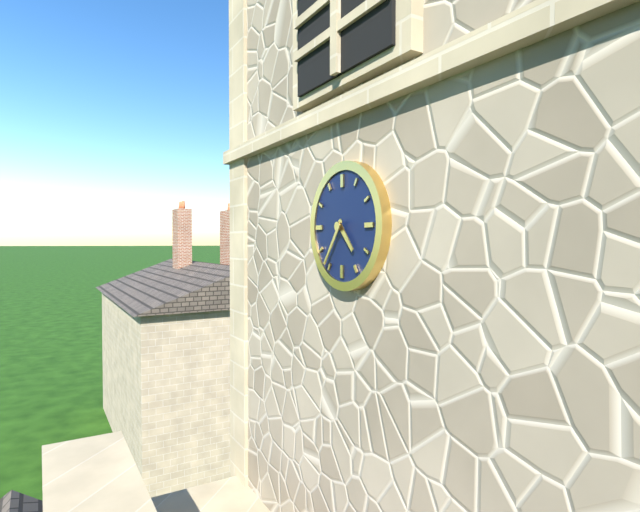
4:36
